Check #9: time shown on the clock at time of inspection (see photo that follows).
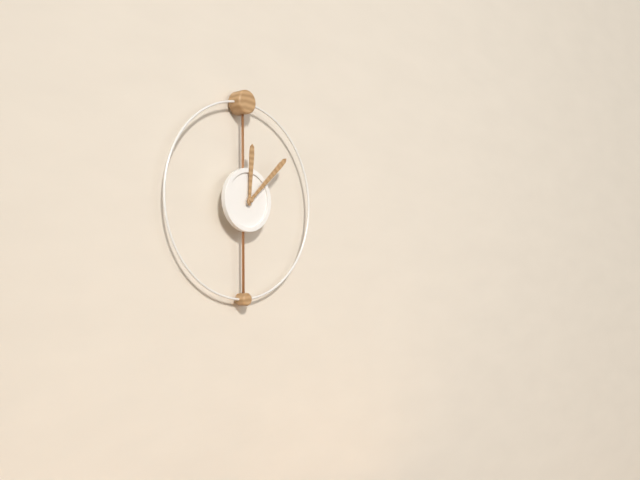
12:08
